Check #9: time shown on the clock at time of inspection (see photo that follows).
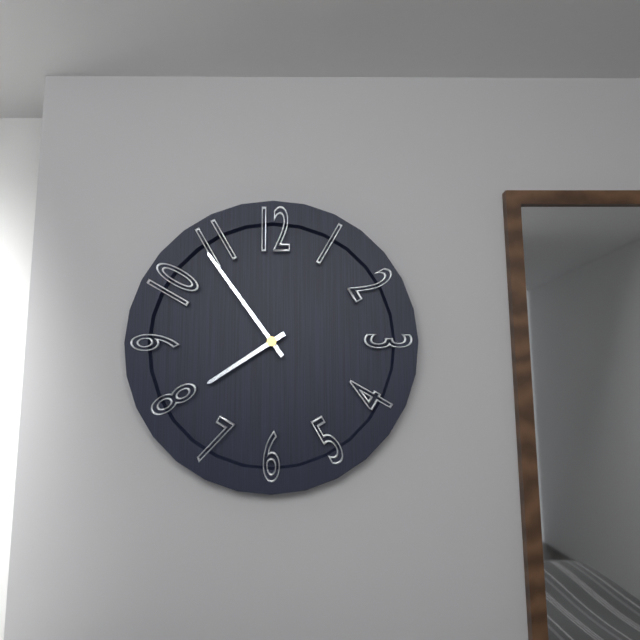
7:54
